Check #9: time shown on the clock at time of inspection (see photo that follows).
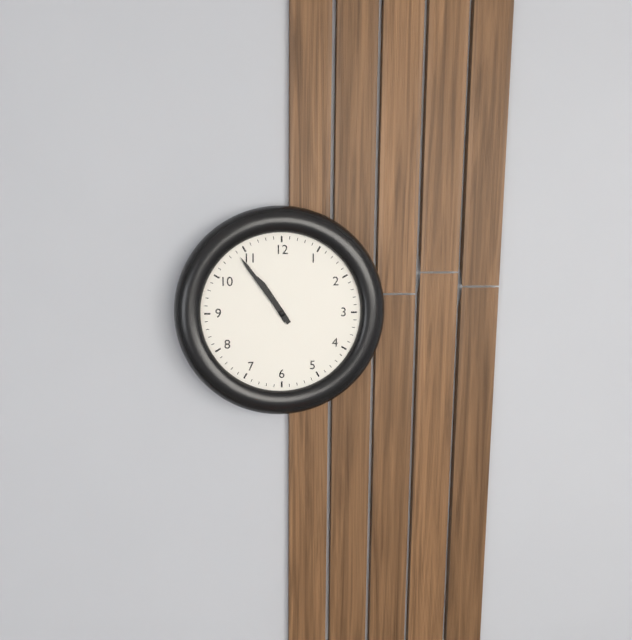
10:54
